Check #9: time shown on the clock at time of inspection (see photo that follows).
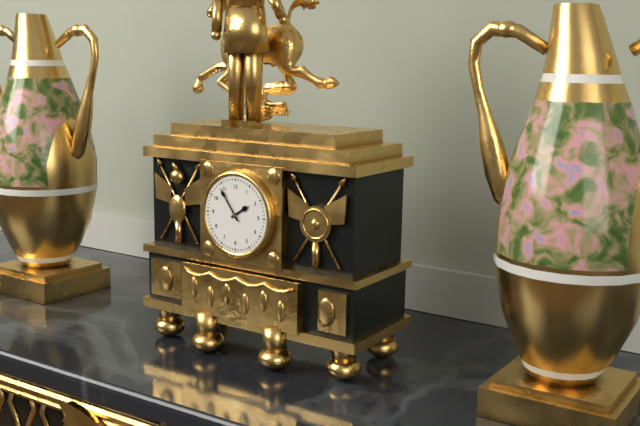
1:54
